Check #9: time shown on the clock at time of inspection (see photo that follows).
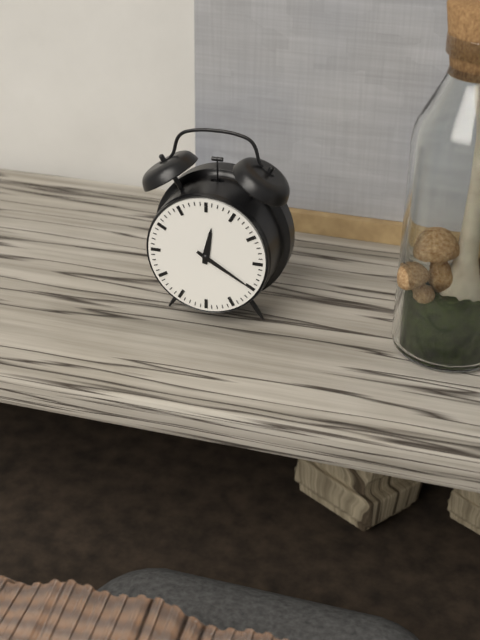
12:20
